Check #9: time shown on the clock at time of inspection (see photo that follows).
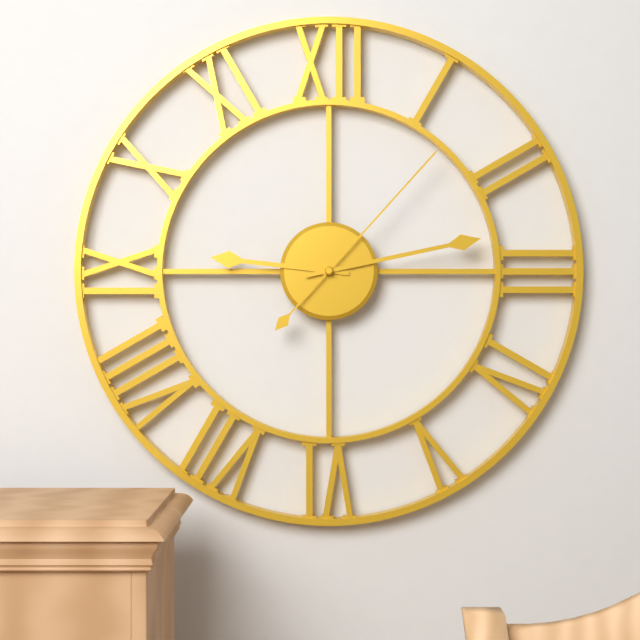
9:13:07
